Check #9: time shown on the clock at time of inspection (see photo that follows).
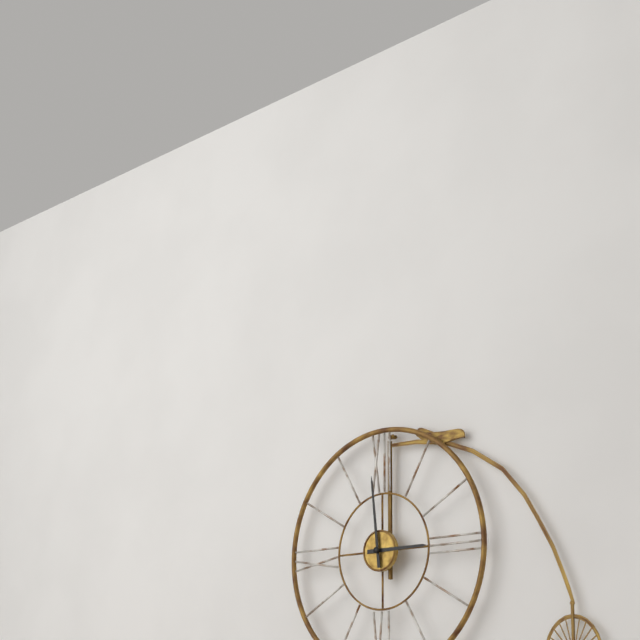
2:59
